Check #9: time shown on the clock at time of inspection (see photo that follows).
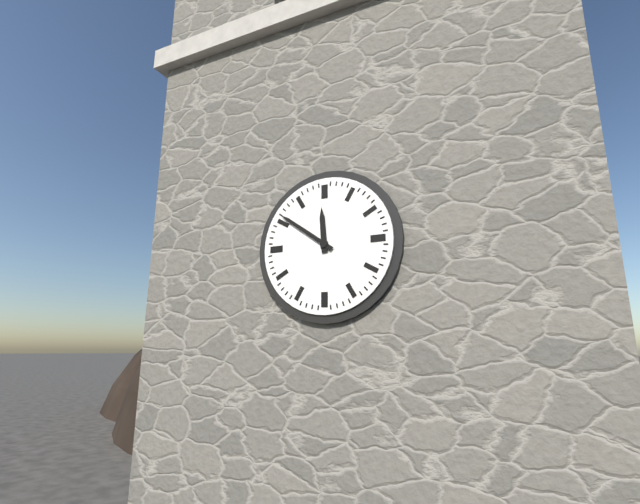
11:51
